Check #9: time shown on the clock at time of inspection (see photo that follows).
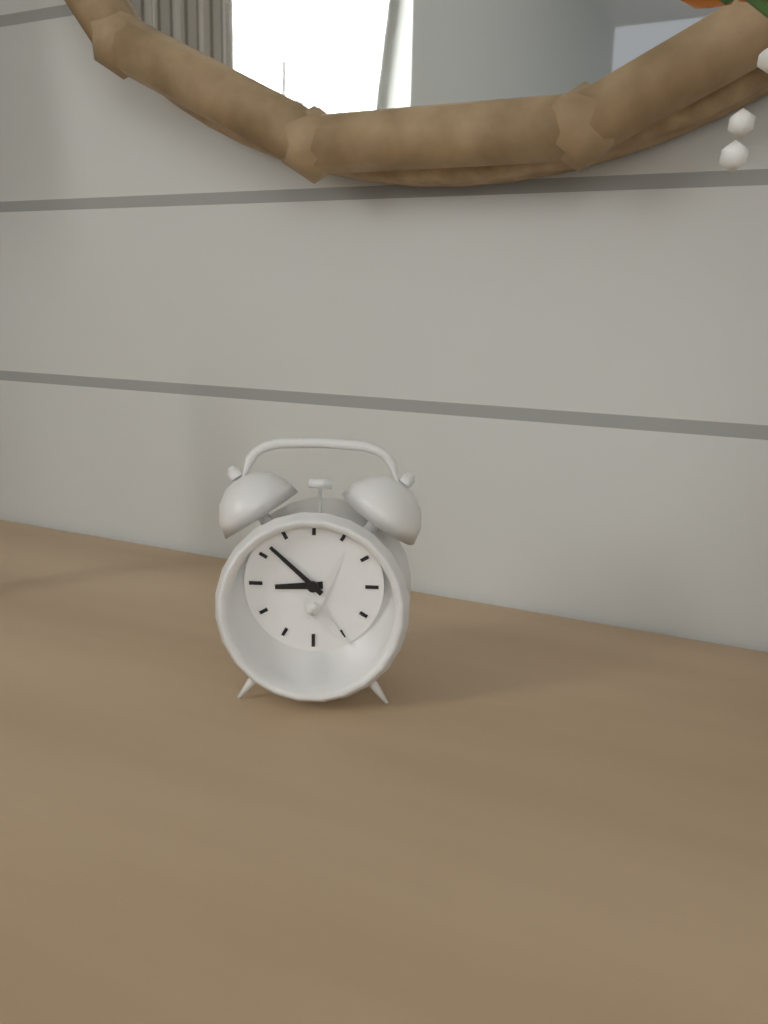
8:52
